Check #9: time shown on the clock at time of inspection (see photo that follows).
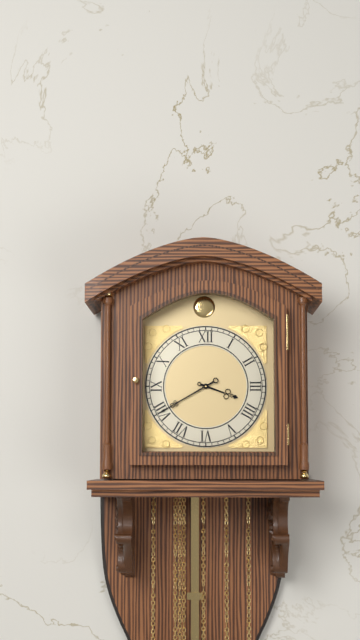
3:40
